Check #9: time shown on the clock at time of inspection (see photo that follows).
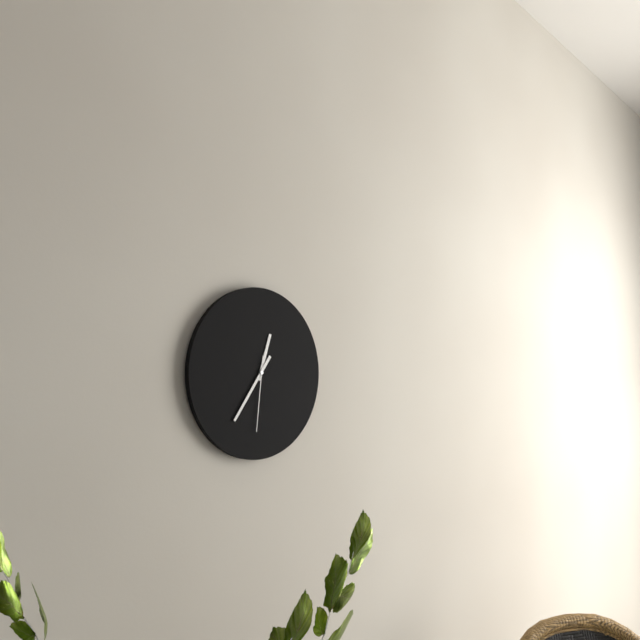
12:36:31
